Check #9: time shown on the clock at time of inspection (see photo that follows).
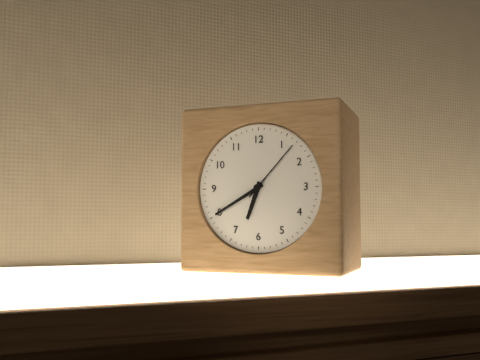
6:40:07
